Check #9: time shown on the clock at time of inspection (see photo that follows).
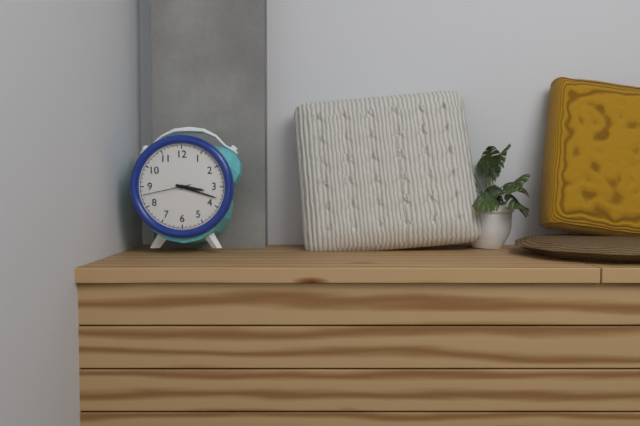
3:18:43
